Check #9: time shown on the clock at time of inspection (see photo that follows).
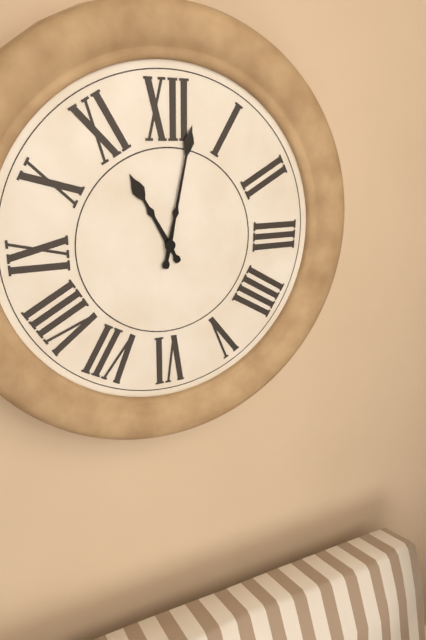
11:02
